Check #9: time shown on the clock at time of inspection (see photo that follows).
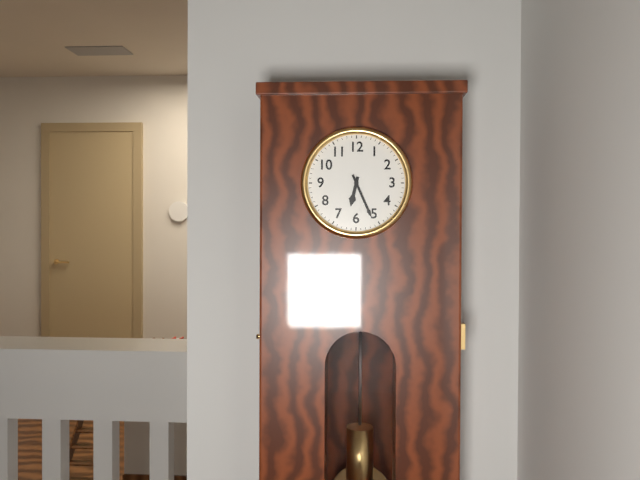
6:26
